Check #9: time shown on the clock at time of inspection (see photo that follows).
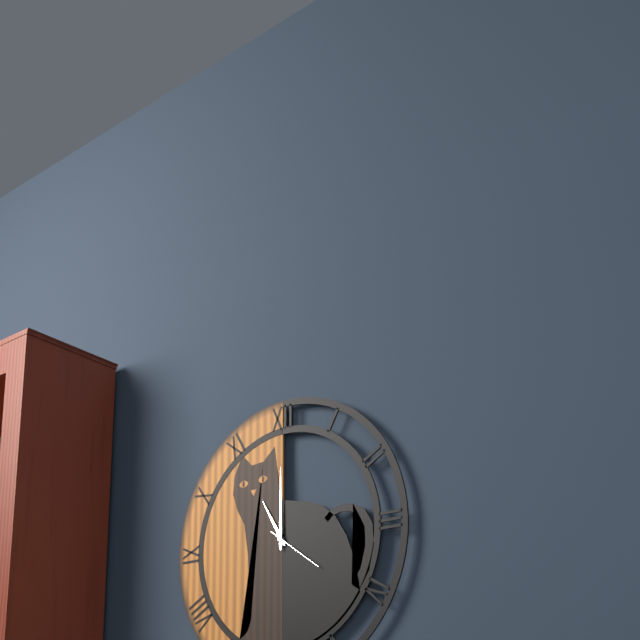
11:00:21
